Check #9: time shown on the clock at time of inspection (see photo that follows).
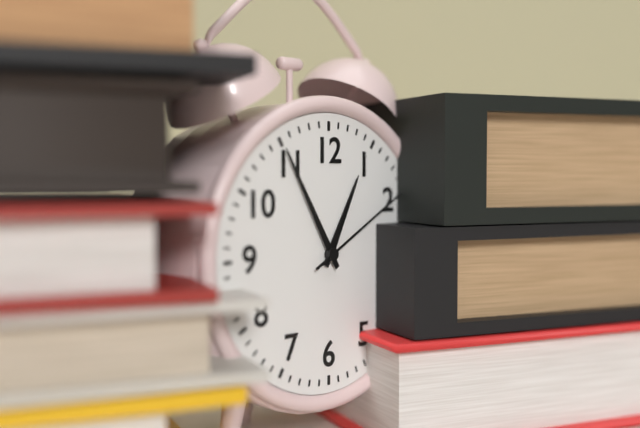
12:55:10
